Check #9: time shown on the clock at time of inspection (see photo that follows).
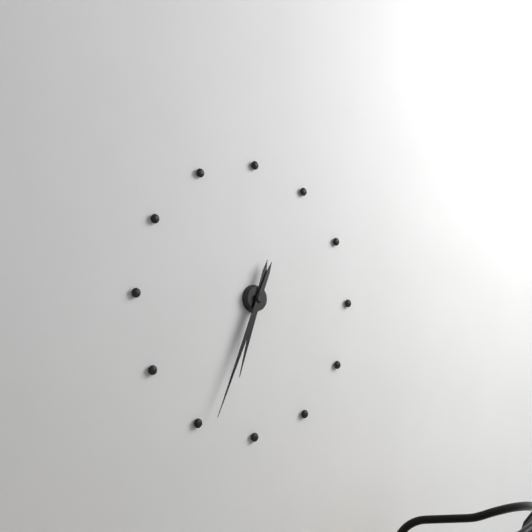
6:34
